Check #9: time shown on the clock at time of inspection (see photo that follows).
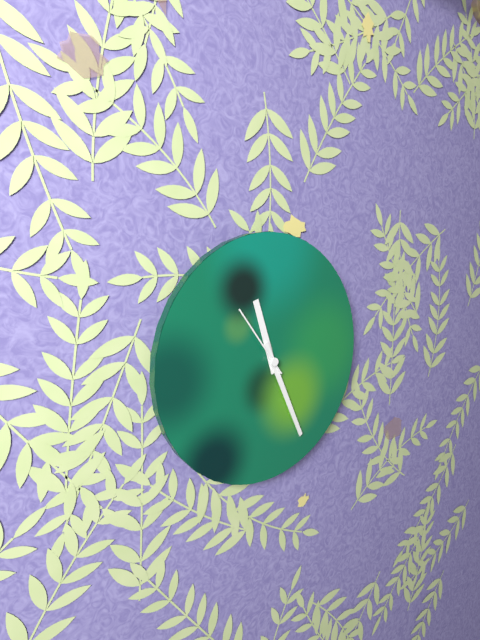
11:26:54
